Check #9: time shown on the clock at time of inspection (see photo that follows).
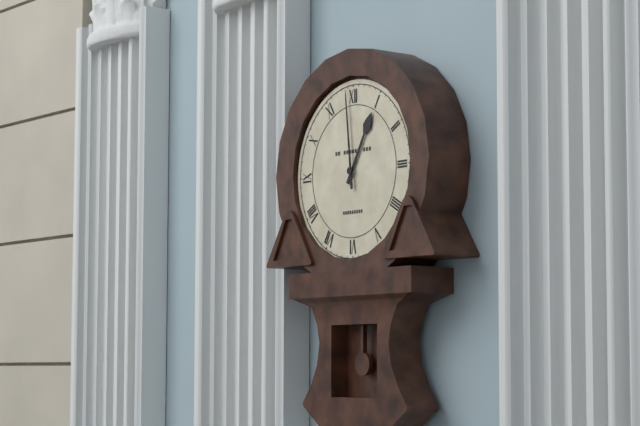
12:59
